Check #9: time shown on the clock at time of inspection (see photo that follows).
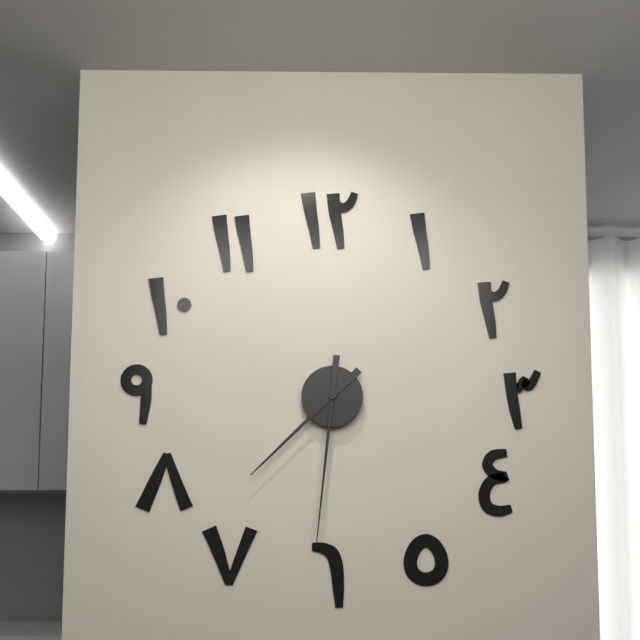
7:31
